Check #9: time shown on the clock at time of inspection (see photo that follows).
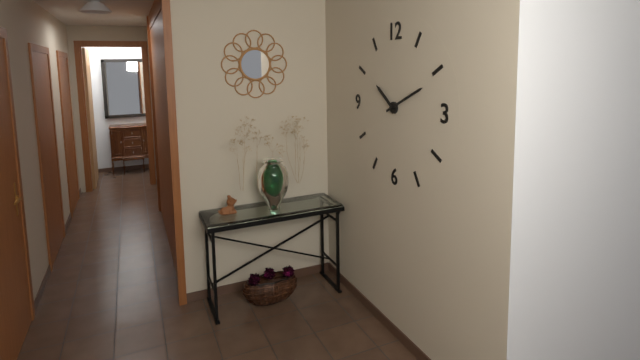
10:11
